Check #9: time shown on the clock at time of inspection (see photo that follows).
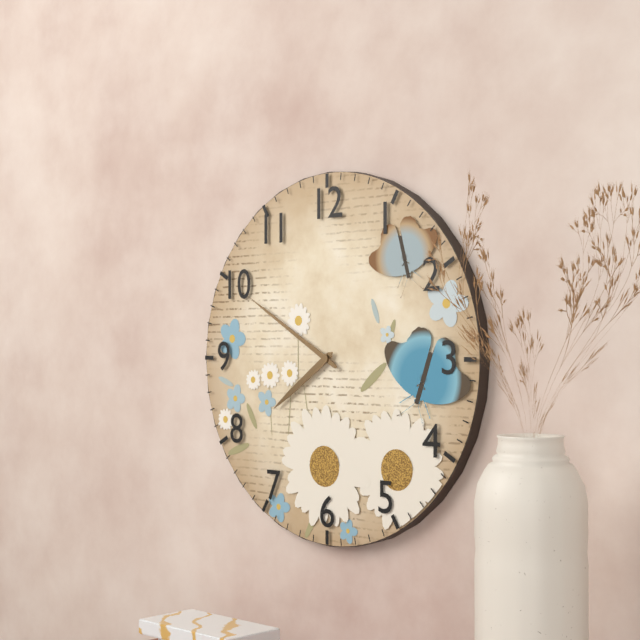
7:50
